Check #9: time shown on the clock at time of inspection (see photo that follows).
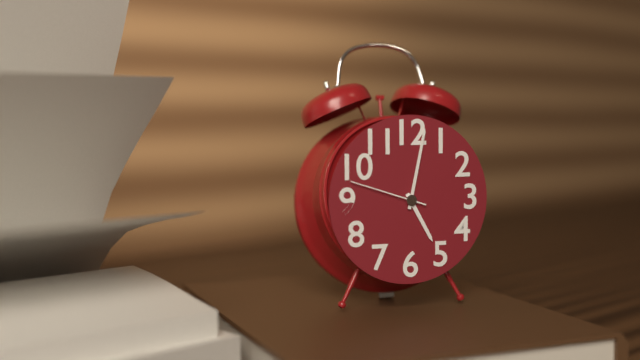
5:02:48
